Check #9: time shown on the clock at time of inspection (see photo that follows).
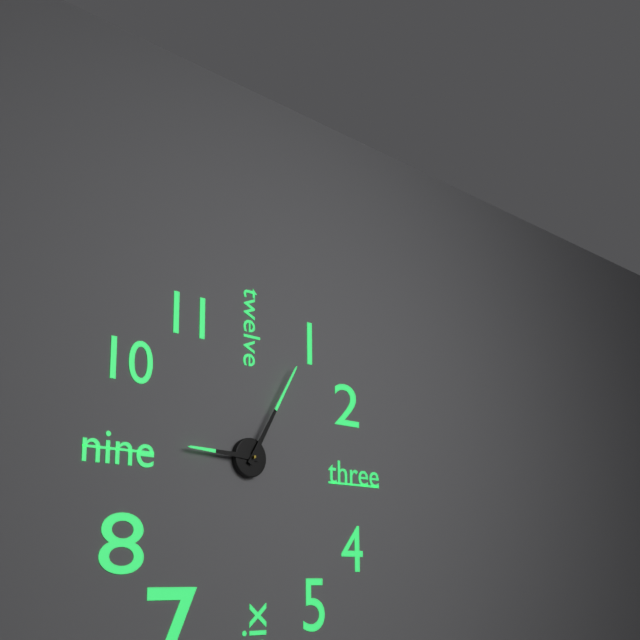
9:05
